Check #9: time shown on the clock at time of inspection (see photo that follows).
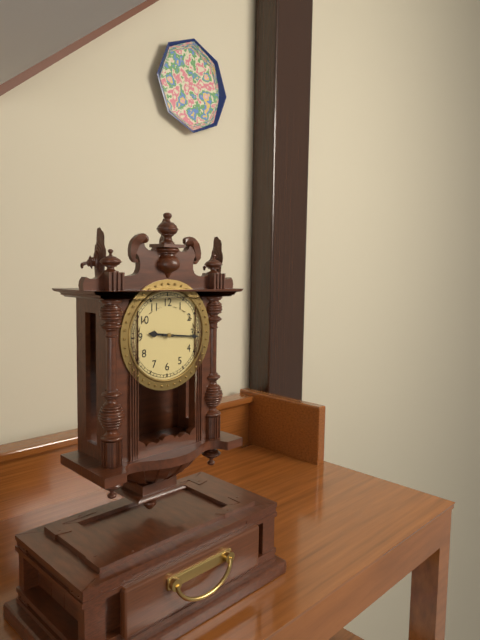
9:16
